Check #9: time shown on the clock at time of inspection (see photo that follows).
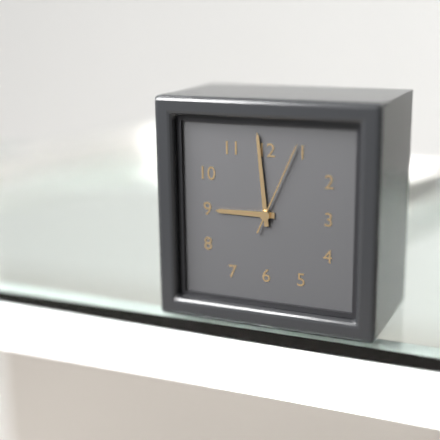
8:59:04
